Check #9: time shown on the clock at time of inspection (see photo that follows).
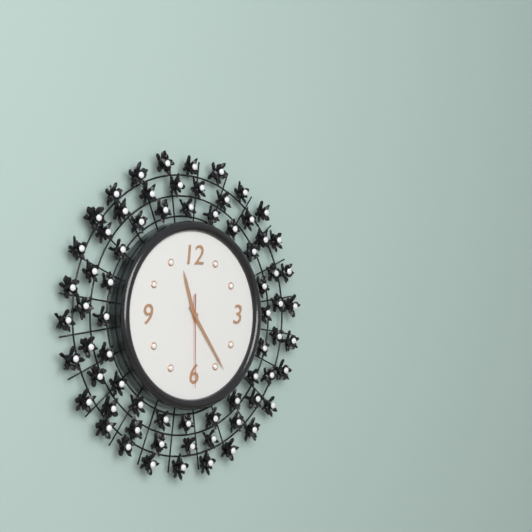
11:24:30
